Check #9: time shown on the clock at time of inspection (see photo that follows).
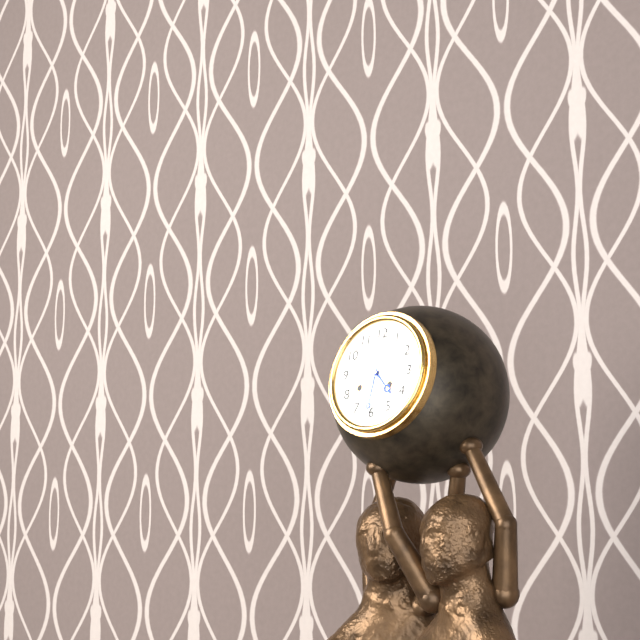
4:31
